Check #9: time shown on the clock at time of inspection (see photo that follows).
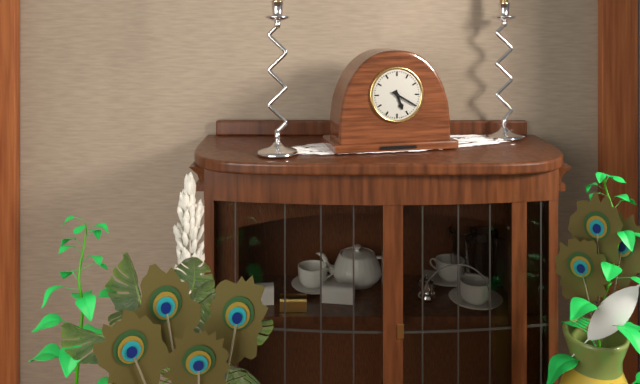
5:20
